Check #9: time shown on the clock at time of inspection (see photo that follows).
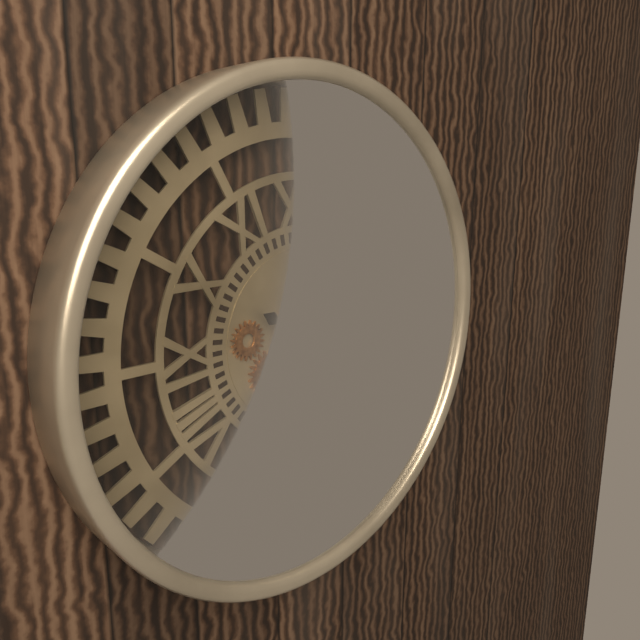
7:20
